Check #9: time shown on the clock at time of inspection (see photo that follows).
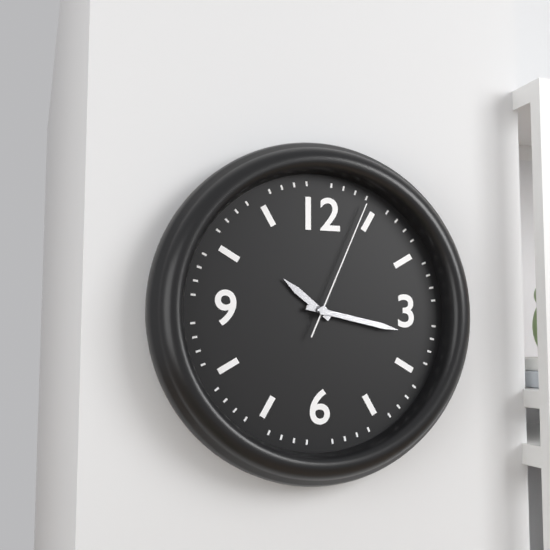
10:17:04
